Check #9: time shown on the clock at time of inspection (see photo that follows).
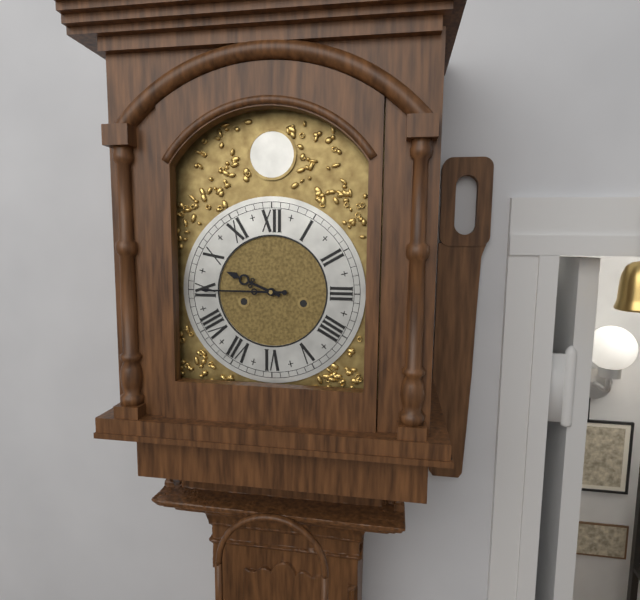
9:45
